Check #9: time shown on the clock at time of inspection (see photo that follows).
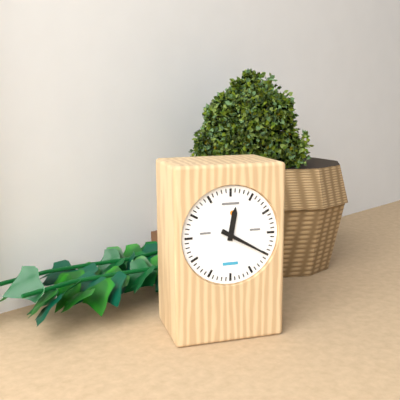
12:20
